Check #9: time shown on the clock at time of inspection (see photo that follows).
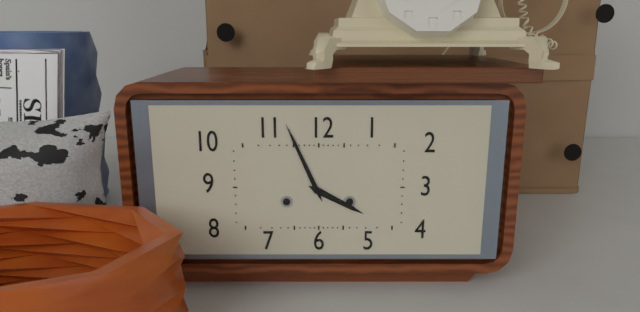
3:56
